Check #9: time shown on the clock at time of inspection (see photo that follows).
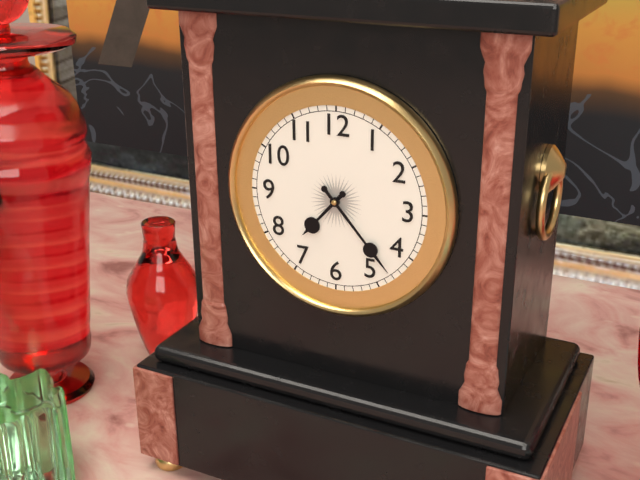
7:23
